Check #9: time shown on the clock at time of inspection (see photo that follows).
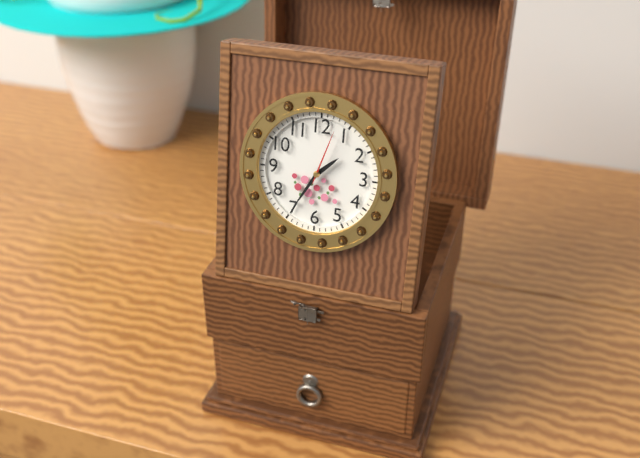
1:35:03
